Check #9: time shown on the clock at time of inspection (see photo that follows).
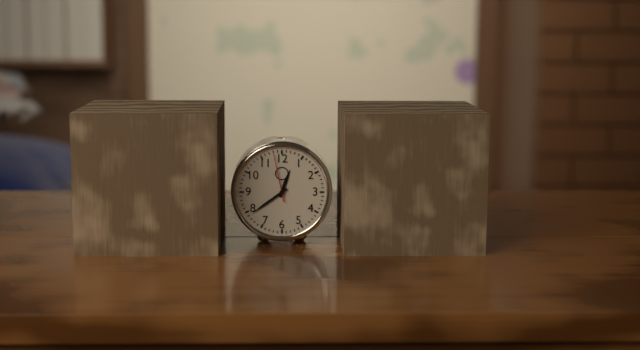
12:39
